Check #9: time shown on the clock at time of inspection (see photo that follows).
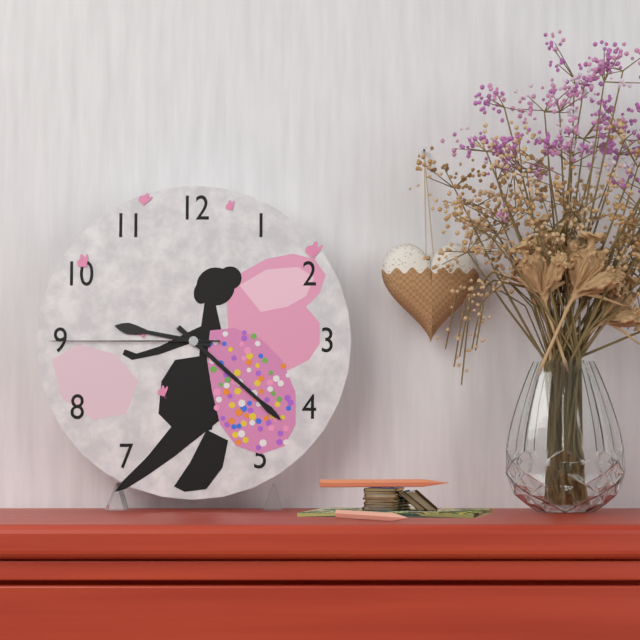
9:22:45
